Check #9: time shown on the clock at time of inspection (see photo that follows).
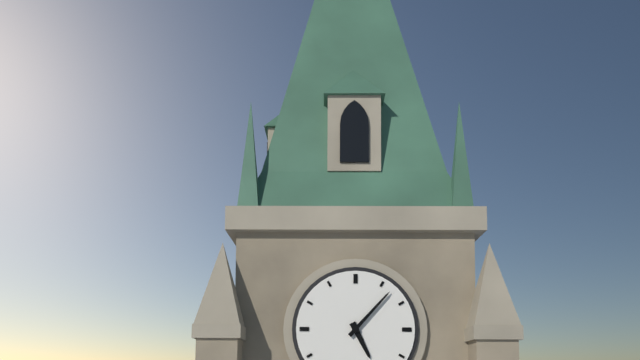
5:07
